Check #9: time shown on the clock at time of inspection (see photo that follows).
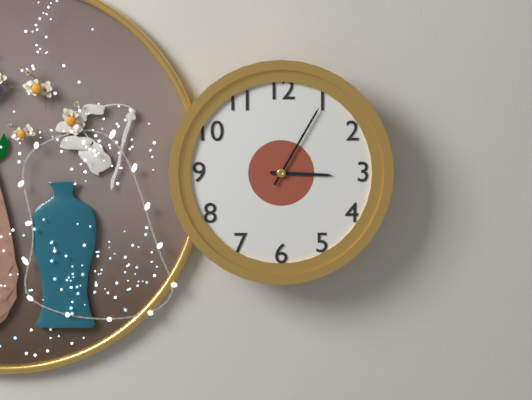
3:05
